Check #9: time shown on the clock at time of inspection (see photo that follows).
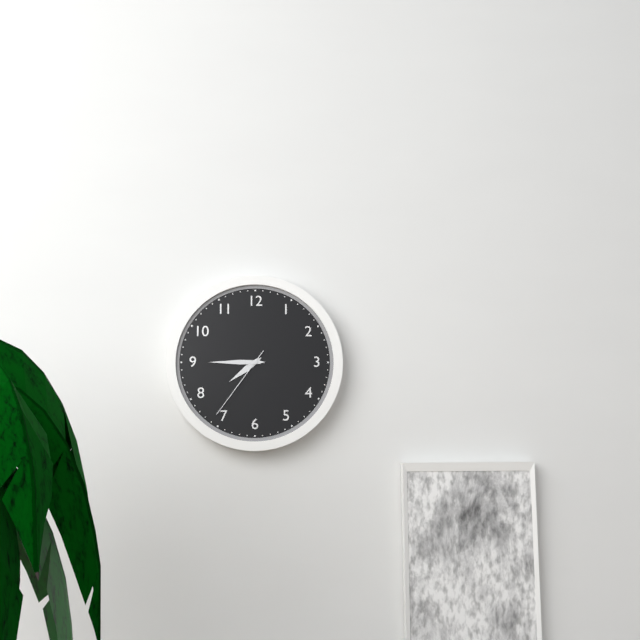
7:45:36
